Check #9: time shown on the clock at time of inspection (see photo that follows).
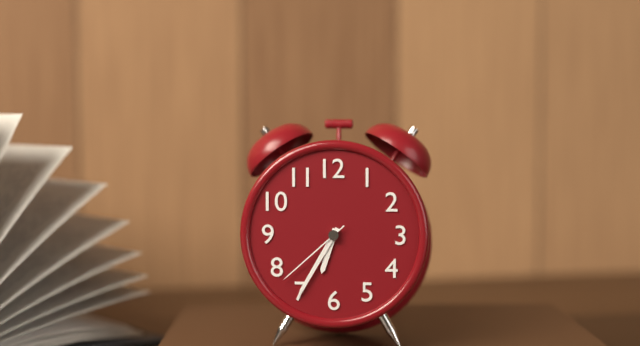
6:35:38
